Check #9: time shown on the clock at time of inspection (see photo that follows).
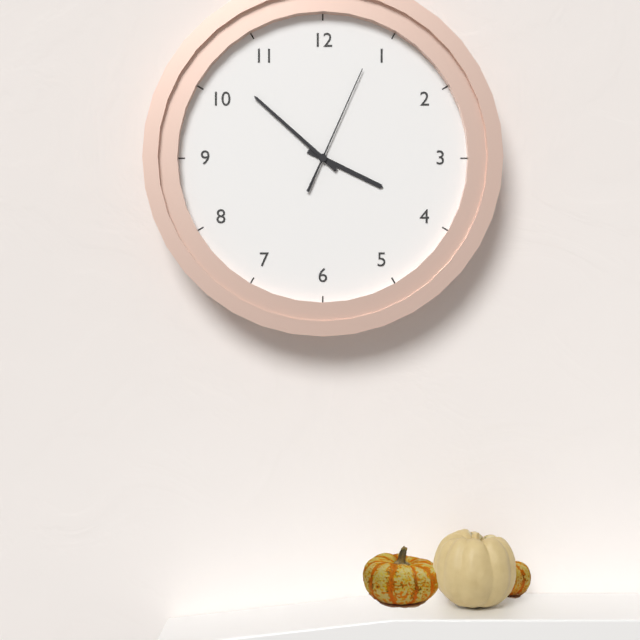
3:52:04
